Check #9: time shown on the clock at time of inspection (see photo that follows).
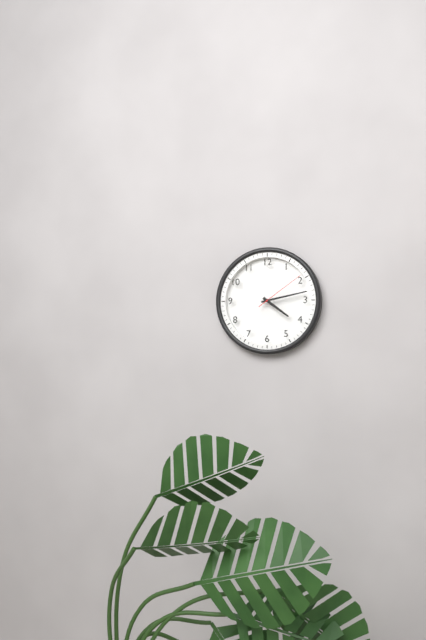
4:13:09
